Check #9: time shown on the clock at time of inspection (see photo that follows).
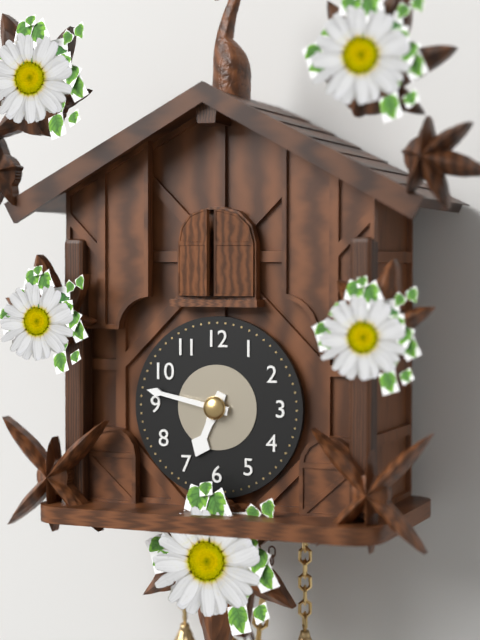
6:47
